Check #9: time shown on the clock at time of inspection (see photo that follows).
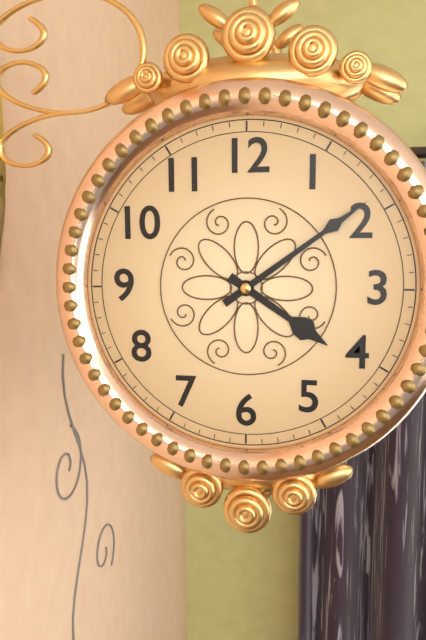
4:09
